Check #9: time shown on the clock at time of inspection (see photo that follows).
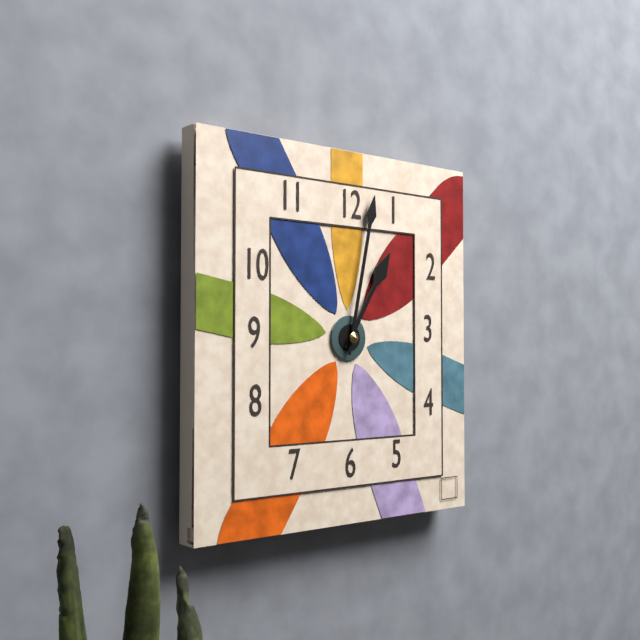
1:02
